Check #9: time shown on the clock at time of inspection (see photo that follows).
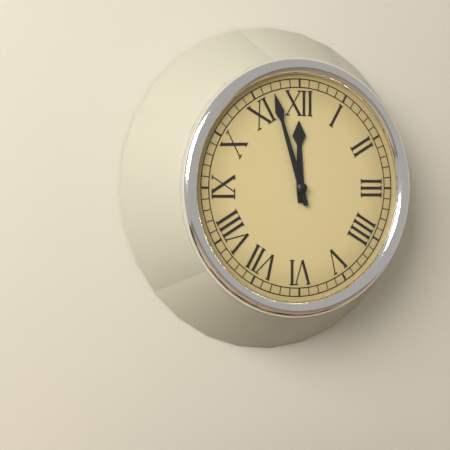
11:57
